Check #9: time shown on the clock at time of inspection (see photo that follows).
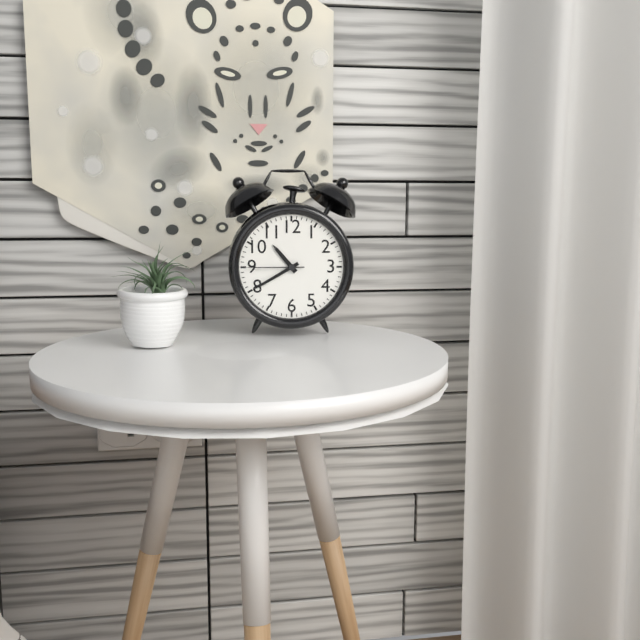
10:40:45
